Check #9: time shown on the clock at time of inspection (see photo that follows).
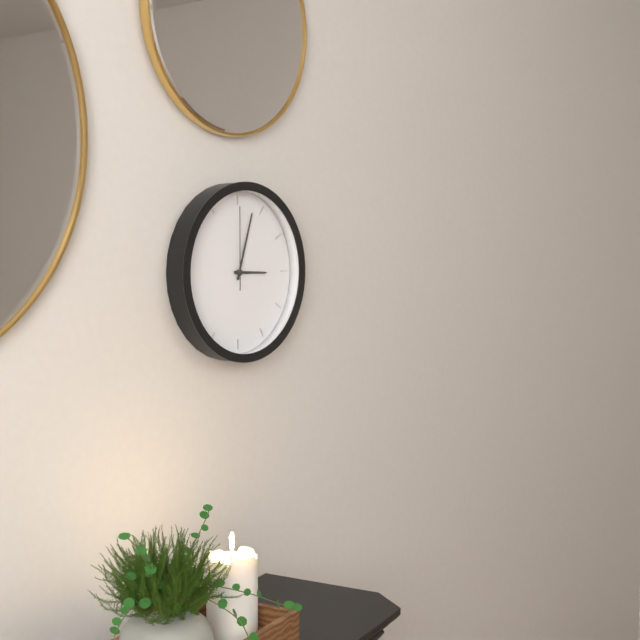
3:03:00
